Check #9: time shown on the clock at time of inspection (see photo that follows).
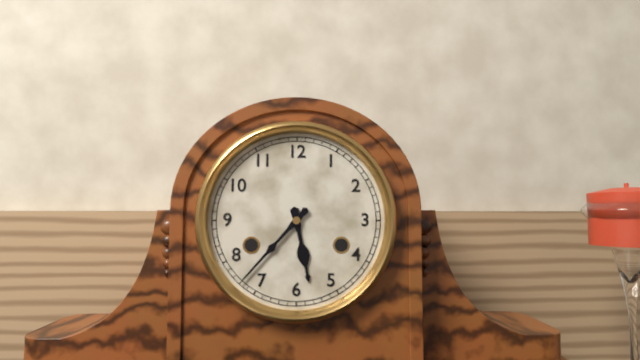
5:37
